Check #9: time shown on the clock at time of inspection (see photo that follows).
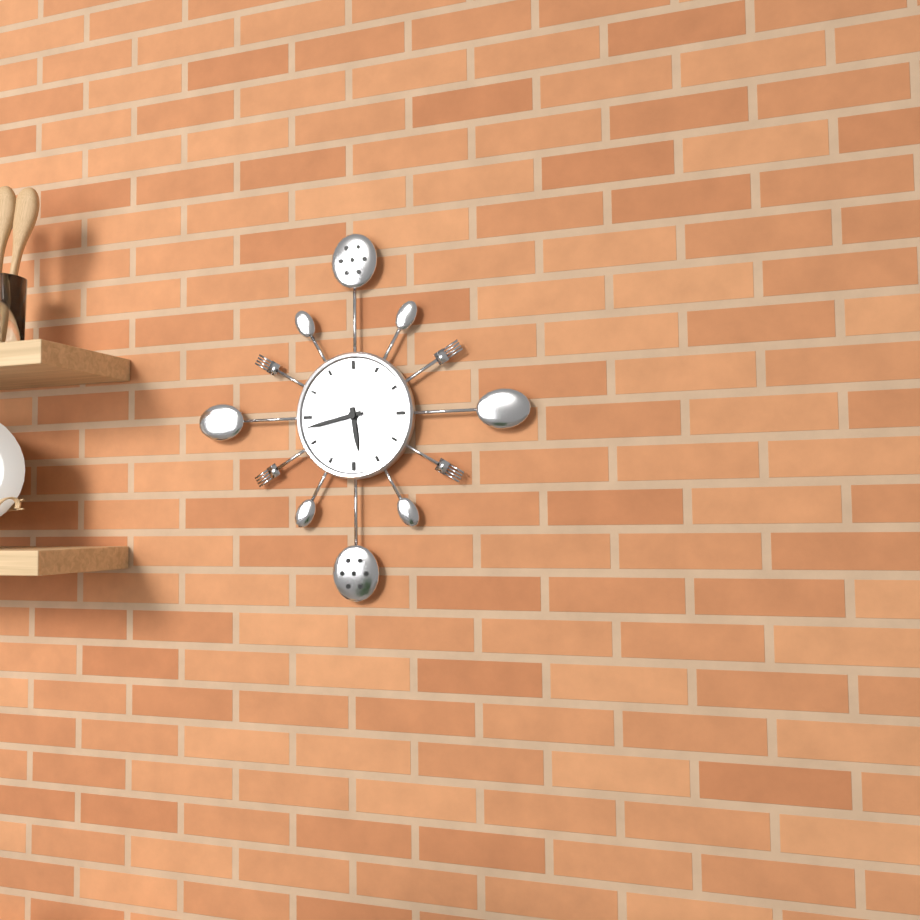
5:43
